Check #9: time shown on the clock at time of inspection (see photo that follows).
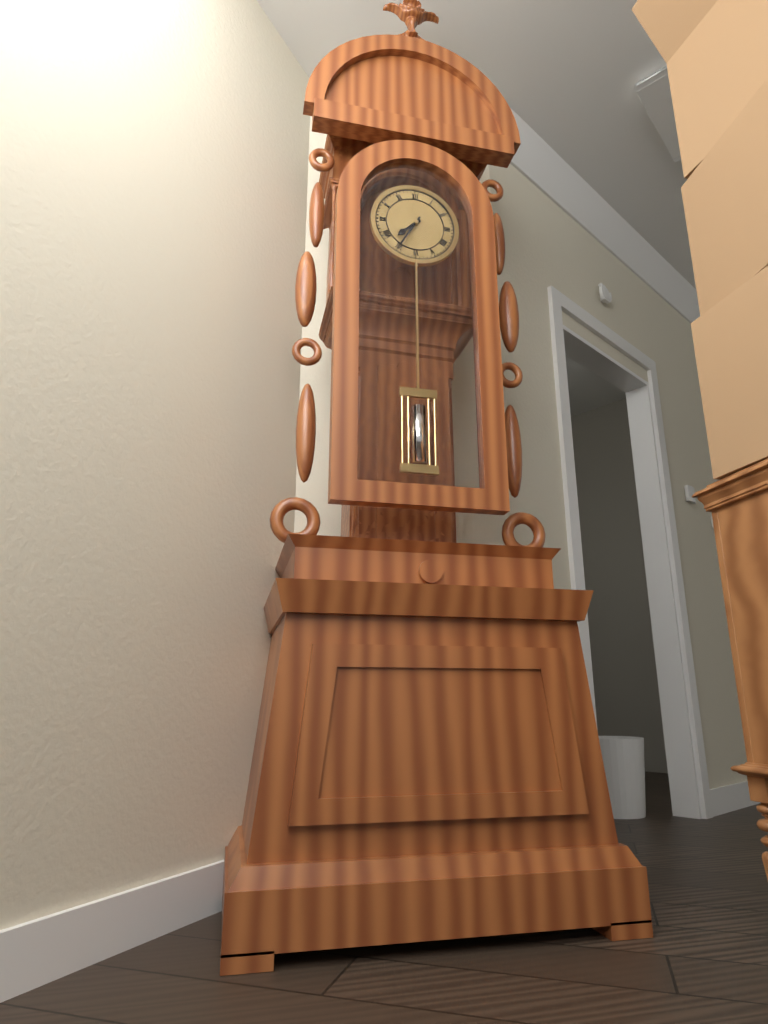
7:35
